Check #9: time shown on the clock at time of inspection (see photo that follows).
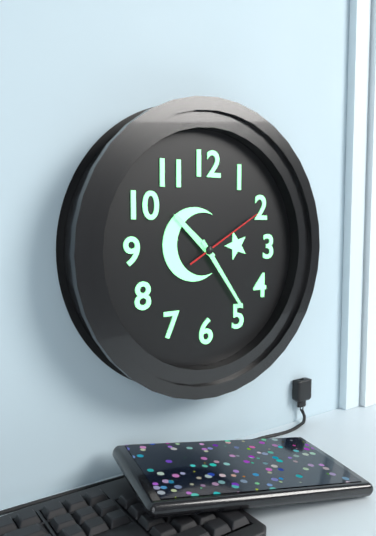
10:24:10
